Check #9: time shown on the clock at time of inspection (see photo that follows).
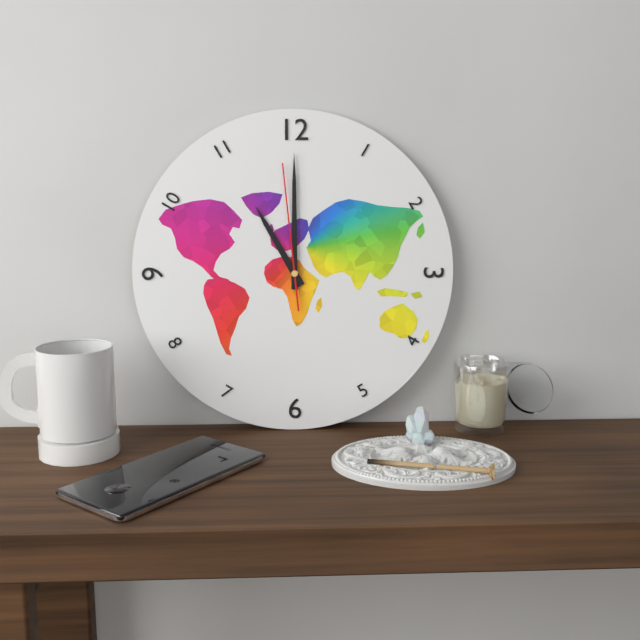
11:00:59
